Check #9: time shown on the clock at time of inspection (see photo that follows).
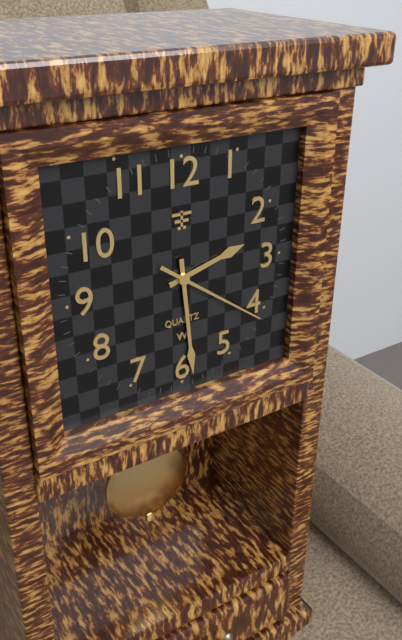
2:29:21
